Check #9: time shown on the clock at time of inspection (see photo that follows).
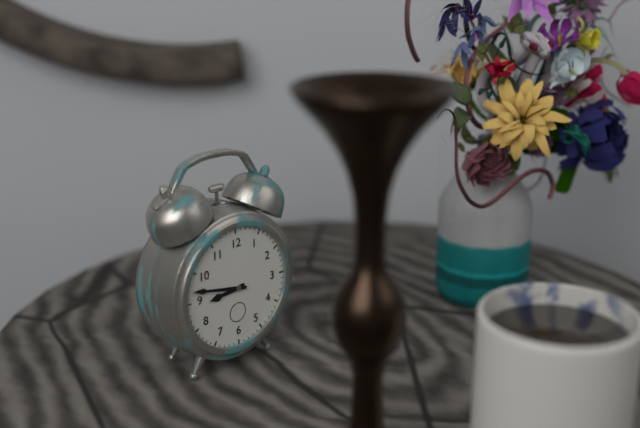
8:47
